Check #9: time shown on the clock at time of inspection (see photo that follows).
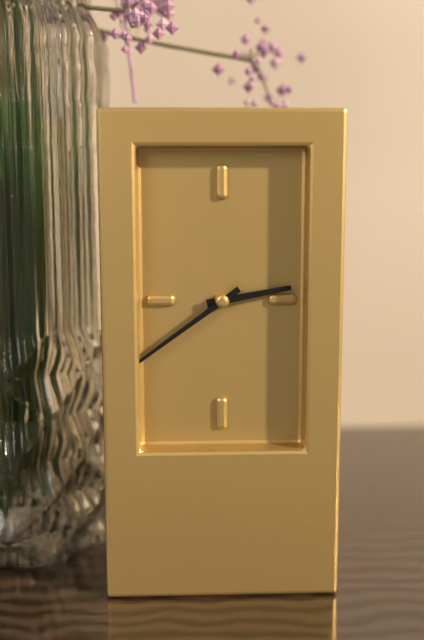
2:39
